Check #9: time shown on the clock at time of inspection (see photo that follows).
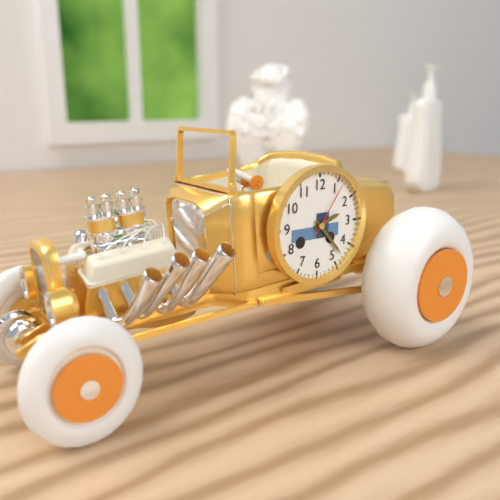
2:23:06
